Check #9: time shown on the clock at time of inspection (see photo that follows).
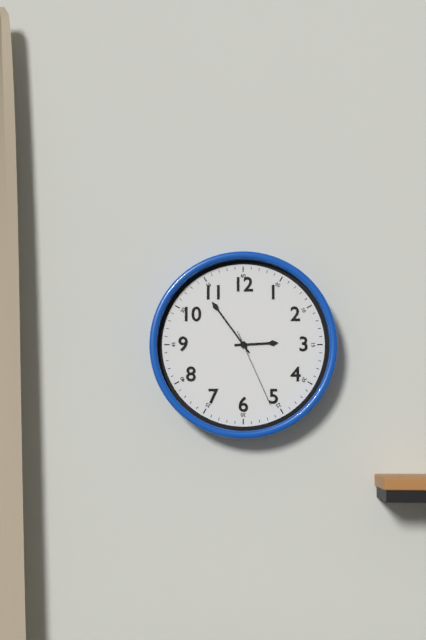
2:54:26
